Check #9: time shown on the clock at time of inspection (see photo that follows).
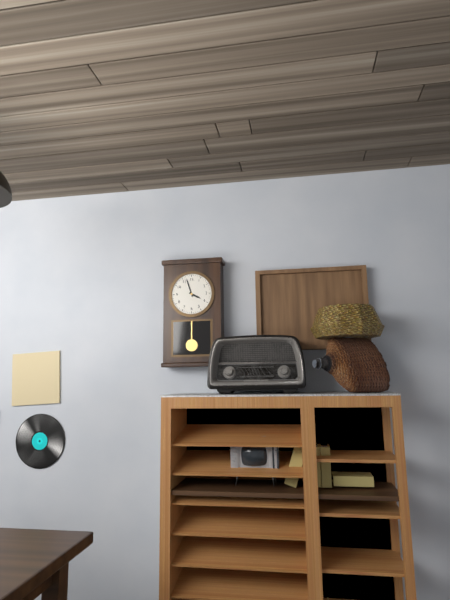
3:57
